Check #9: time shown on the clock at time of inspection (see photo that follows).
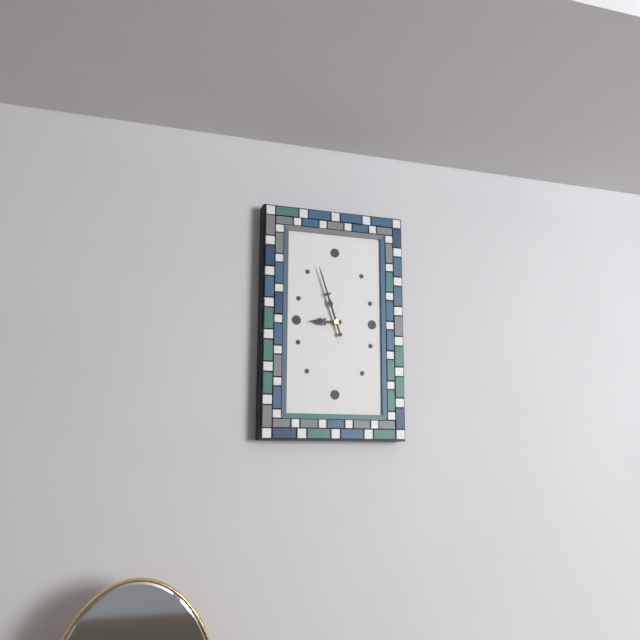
8:57
